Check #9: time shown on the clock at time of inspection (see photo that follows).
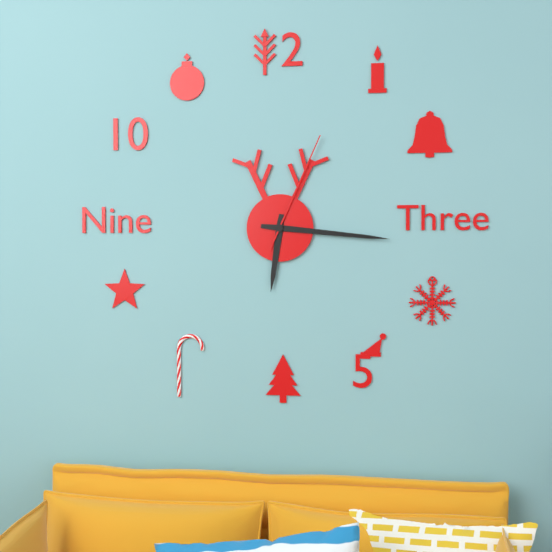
6:16:04
